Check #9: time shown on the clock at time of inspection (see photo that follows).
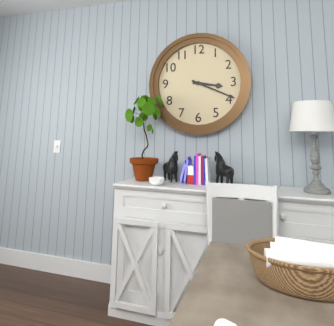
3:19
